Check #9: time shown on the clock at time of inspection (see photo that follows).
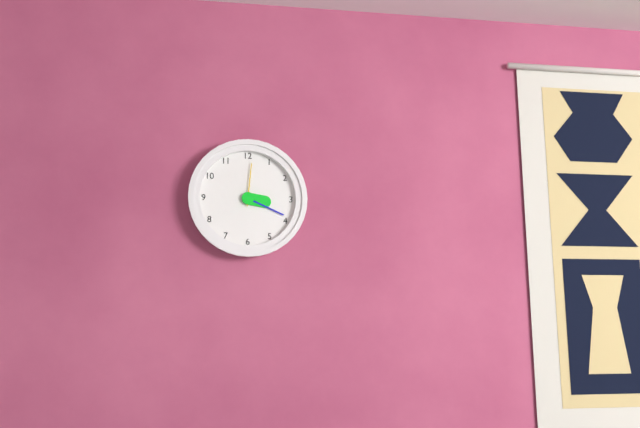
3:19
